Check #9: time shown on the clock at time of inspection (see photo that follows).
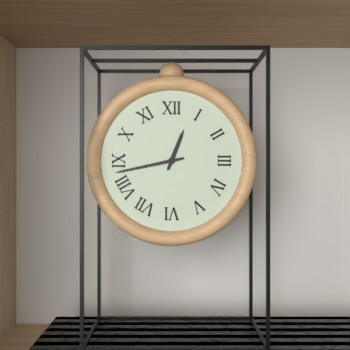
12:43
